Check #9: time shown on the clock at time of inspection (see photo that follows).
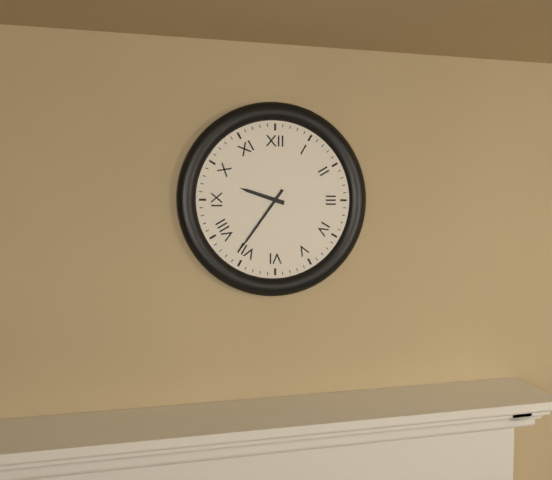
9:36
